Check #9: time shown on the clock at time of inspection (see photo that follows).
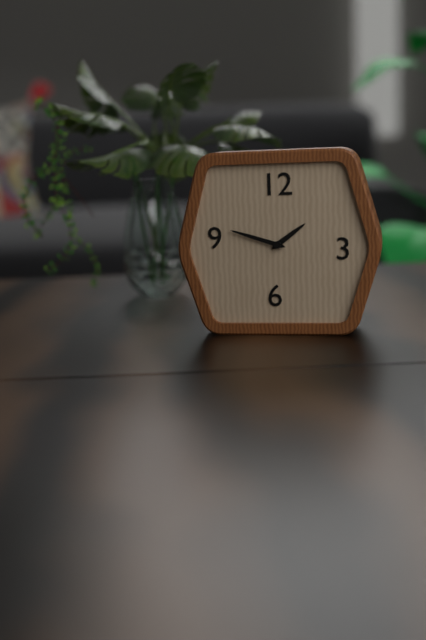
1:48
